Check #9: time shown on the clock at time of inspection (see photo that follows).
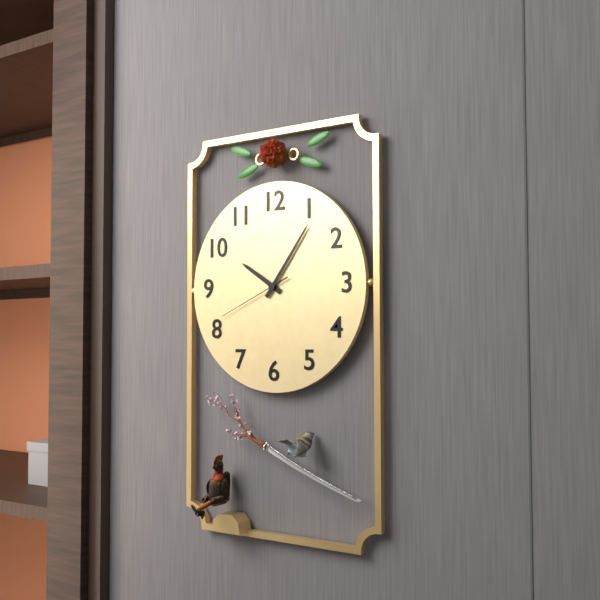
10:06:41
